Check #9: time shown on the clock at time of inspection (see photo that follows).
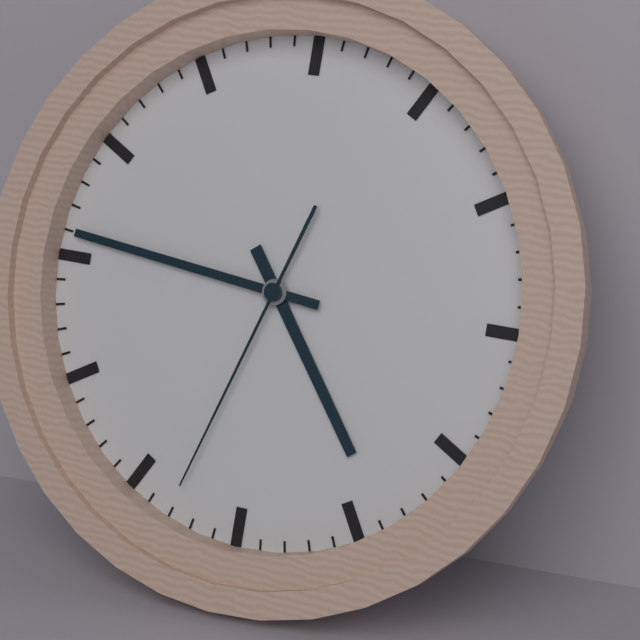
4:46:33
